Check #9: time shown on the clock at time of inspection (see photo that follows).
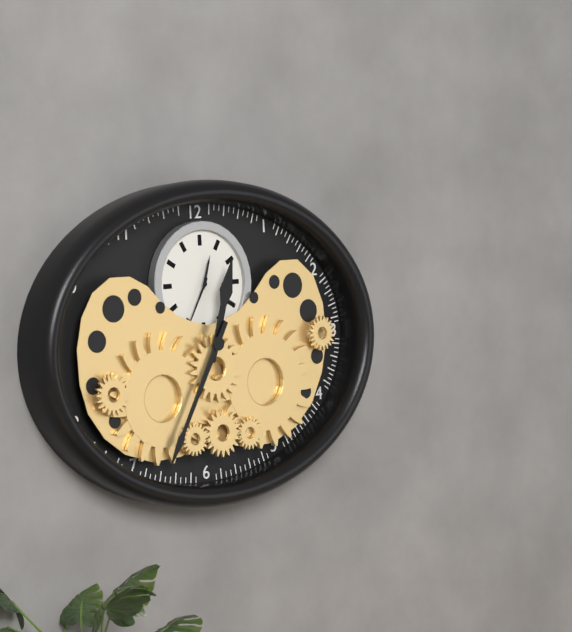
12:35
